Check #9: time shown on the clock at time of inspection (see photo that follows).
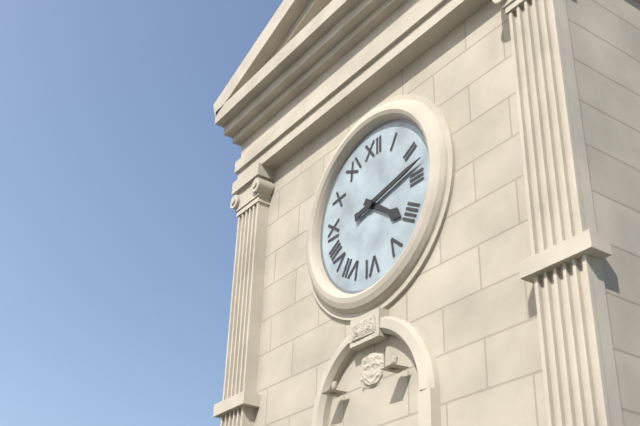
4:13
